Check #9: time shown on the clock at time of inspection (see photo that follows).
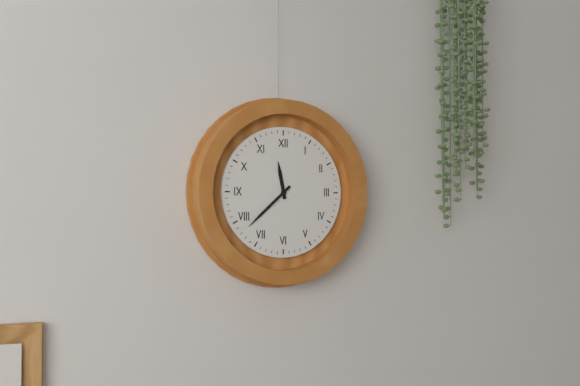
11:38
